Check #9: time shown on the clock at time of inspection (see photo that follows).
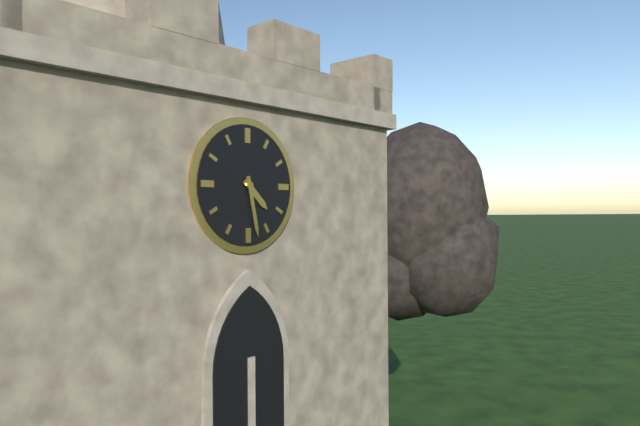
4:28
